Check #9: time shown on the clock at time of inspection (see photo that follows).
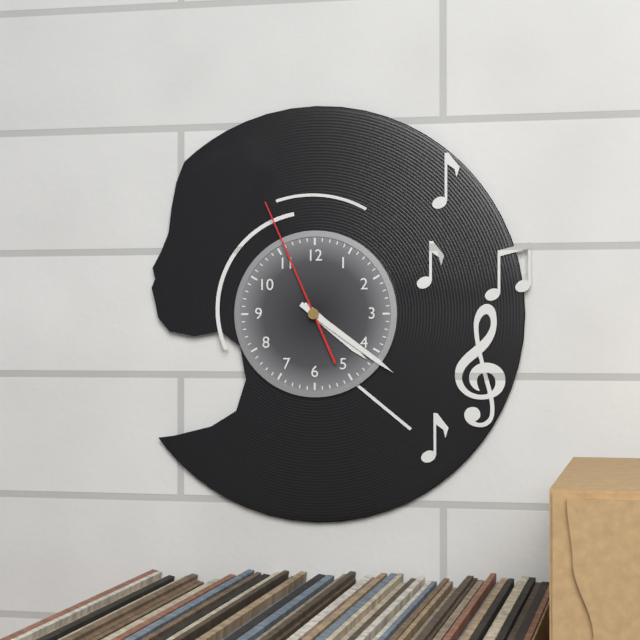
4:21:56
